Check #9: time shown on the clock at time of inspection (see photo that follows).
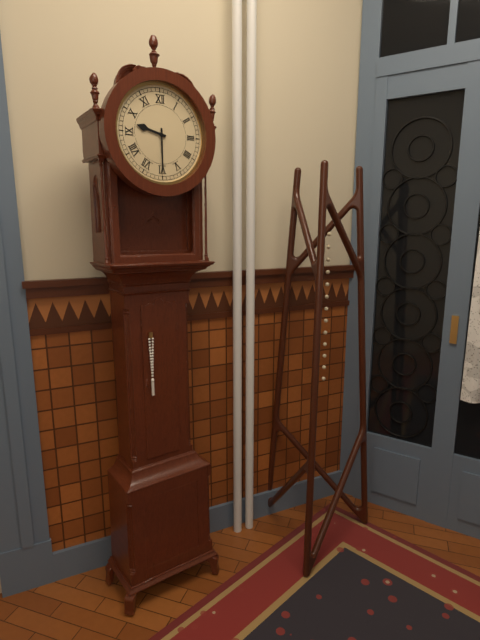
9:30
